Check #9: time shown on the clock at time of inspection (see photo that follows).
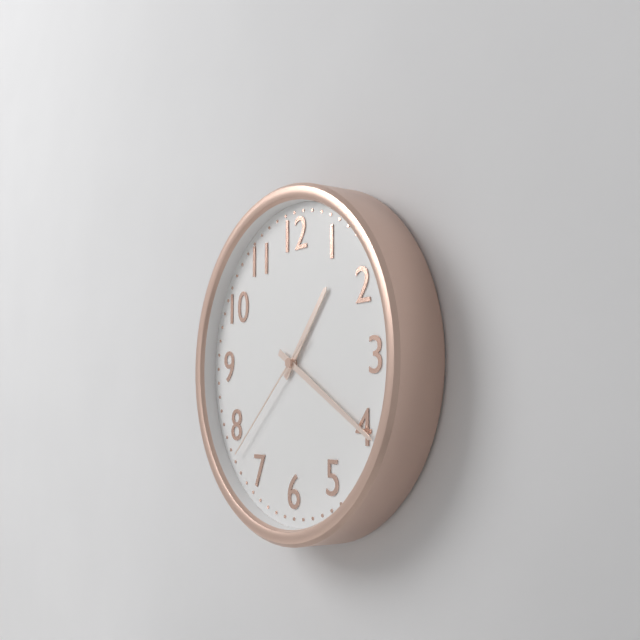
1:20:38
